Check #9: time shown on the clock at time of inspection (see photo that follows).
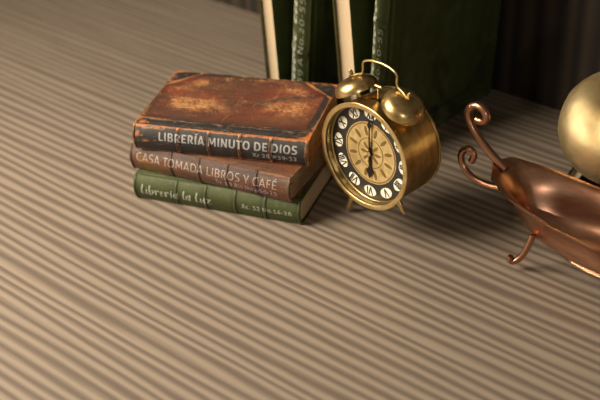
6:00
